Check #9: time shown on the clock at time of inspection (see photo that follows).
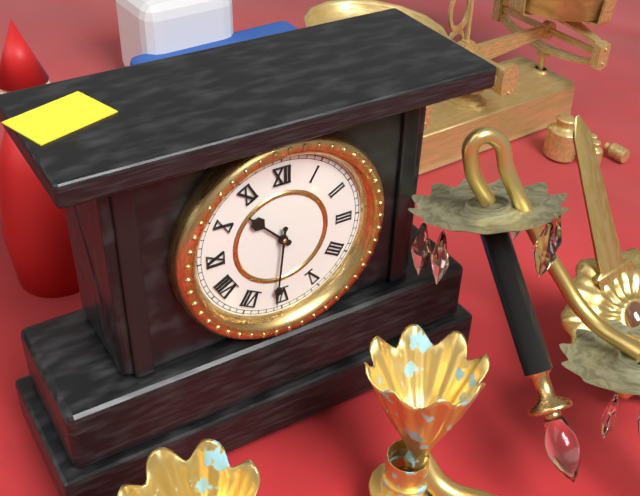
10:31
